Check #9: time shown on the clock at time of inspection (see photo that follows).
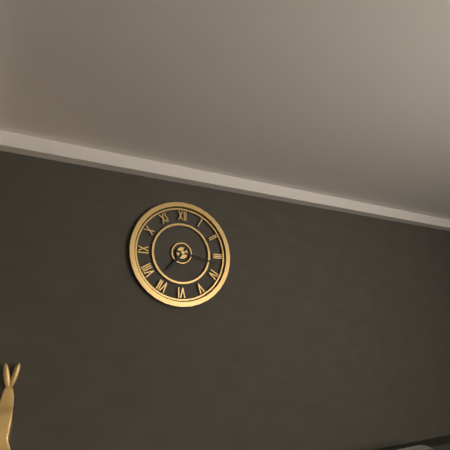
7:17
